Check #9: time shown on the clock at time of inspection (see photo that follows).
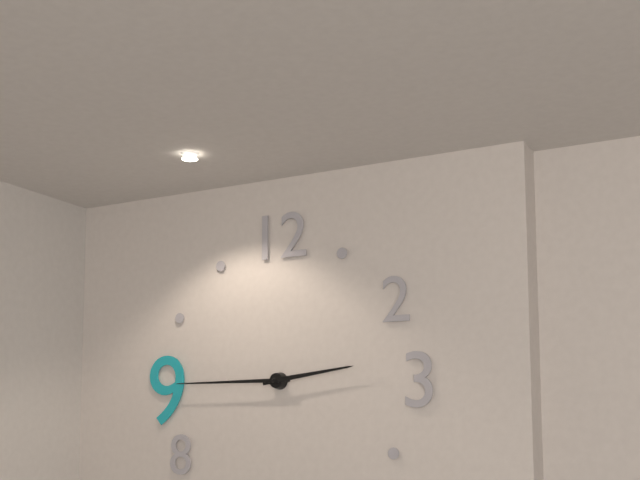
2:45
